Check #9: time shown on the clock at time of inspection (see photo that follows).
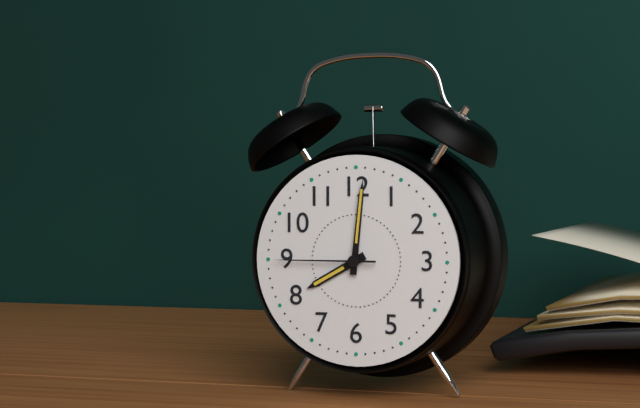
8:01:45
